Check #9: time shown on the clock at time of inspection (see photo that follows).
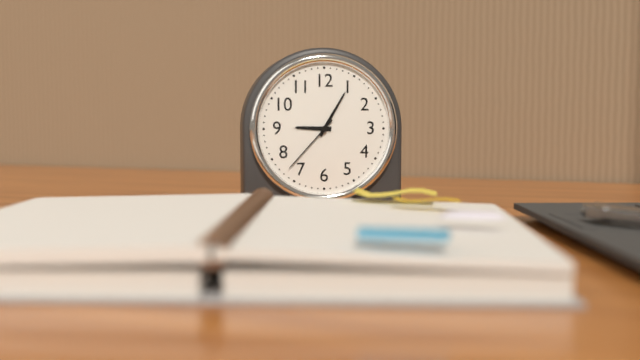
9:05:37
